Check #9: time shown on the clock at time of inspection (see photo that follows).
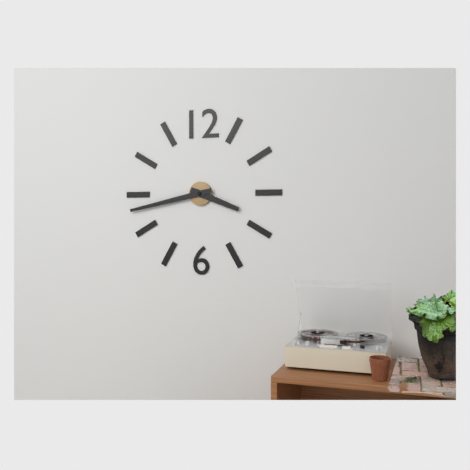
3:43
